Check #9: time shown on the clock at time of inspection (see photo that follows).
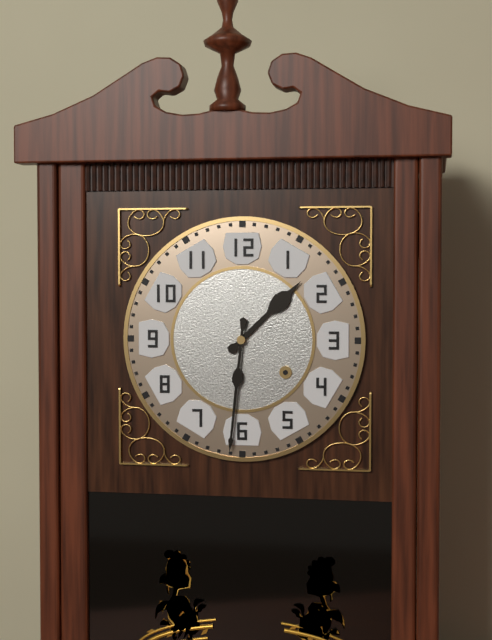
1:31
